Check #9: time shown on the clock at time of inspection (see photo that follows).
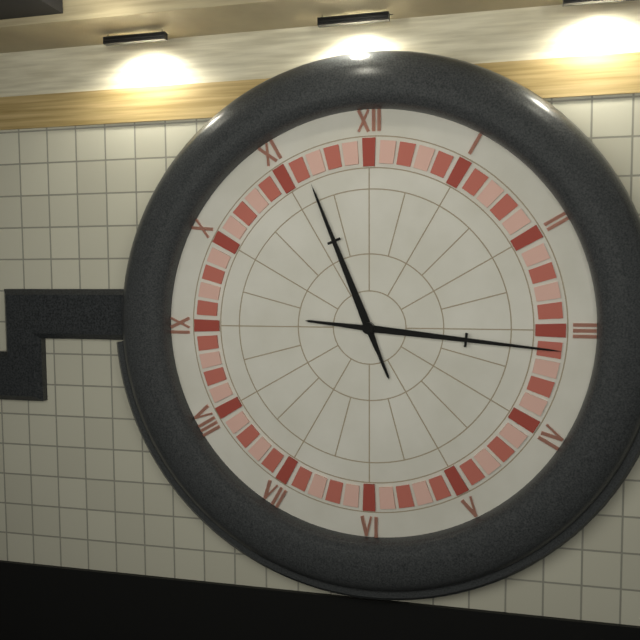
11:16
